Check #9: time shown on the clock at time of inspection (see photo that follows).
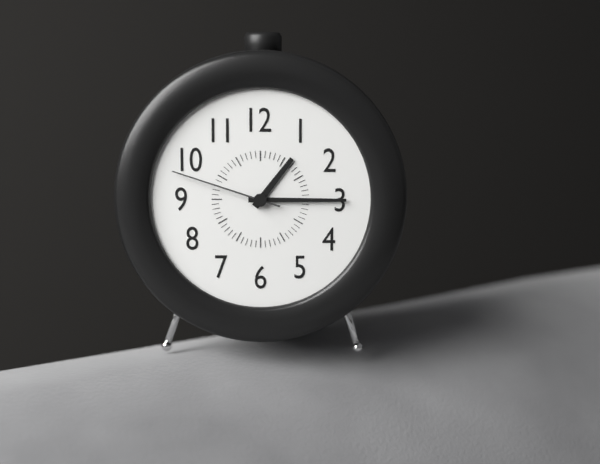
1:15:48
